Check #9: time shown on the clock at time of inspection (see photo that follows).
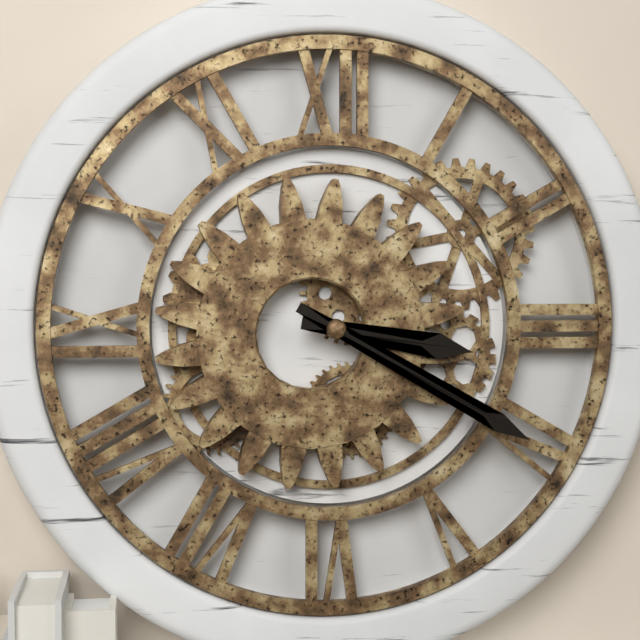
3:20
